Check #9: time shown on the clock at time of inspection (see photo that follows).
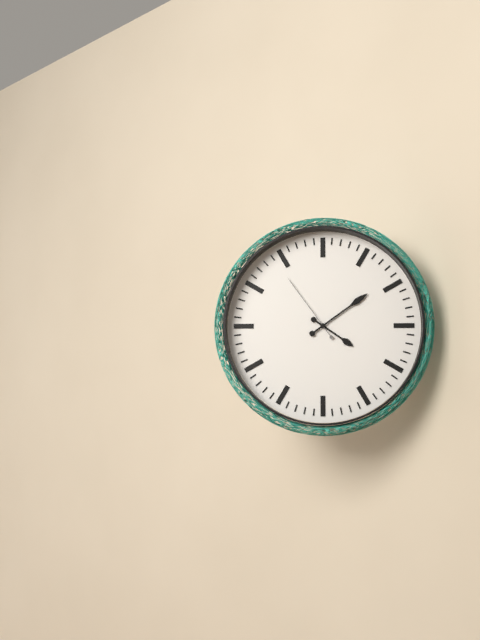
4:09:54
